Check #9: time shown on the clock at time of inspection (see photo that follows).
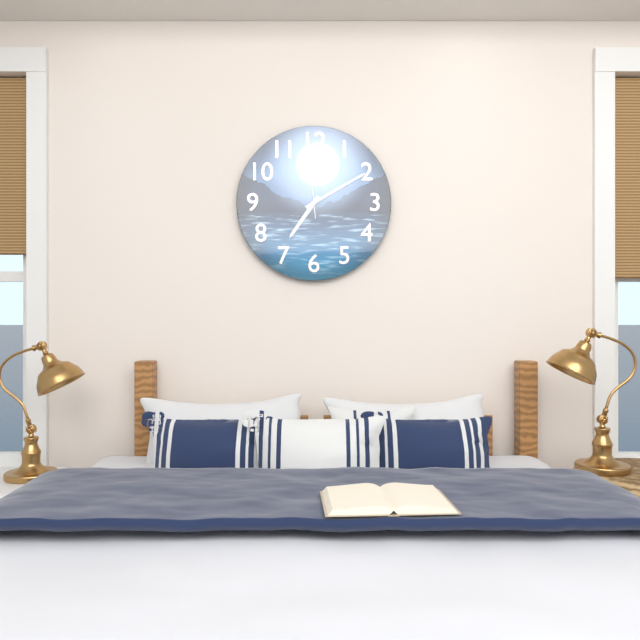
7:10:59
